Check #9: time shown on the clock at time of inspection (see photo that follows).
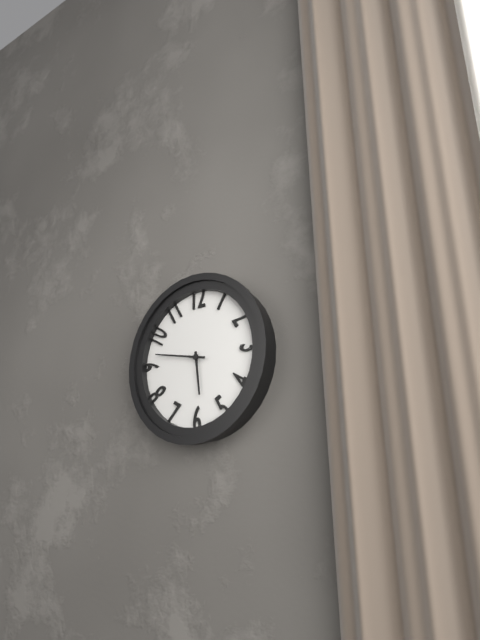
5:47
